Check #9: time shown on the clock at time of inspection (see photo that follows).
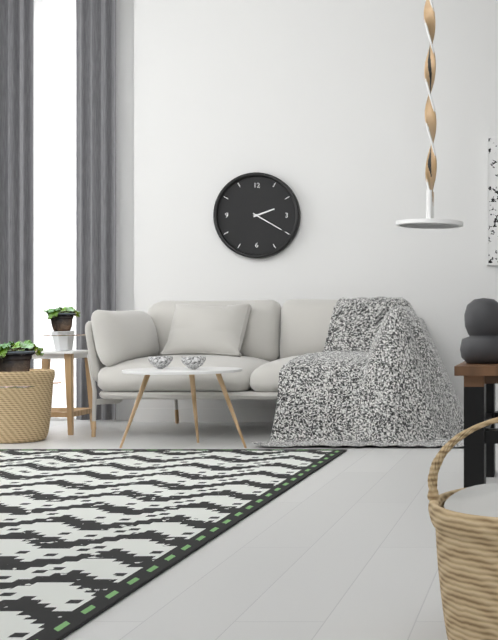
2:20
